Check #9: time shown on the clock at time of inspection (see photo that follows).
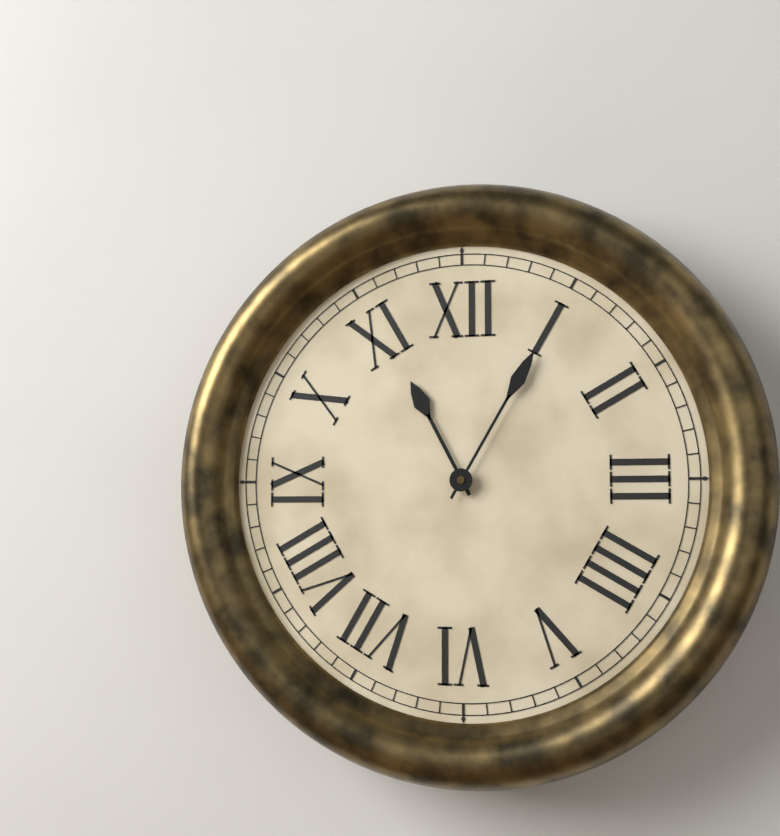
11:05
